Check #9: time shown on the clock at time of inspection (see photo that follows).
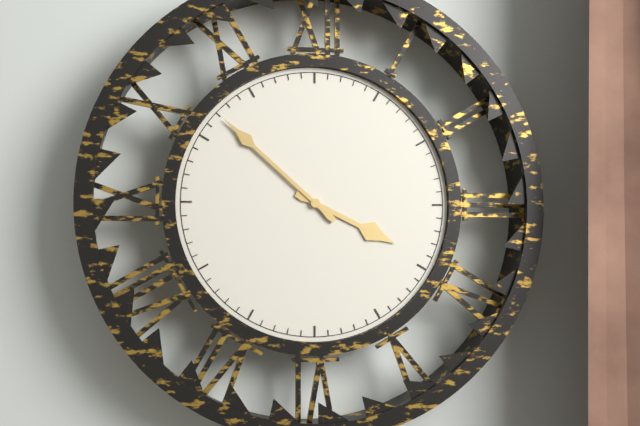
3:52
